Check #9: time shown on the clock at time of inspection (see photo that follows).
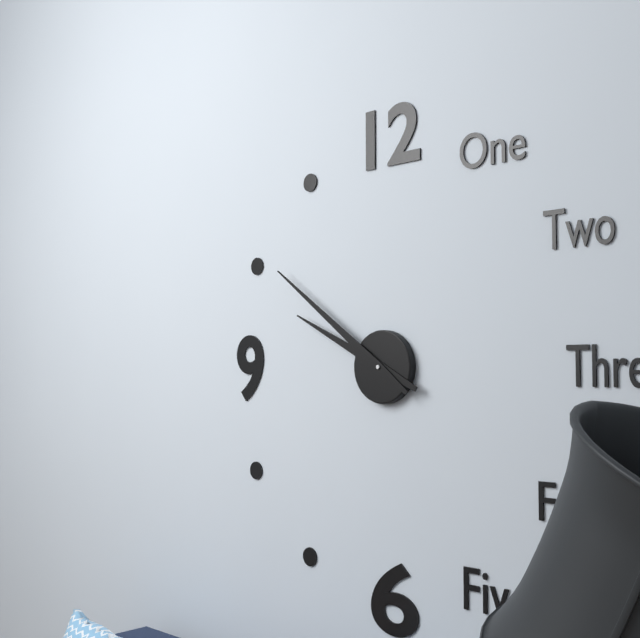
9:51
